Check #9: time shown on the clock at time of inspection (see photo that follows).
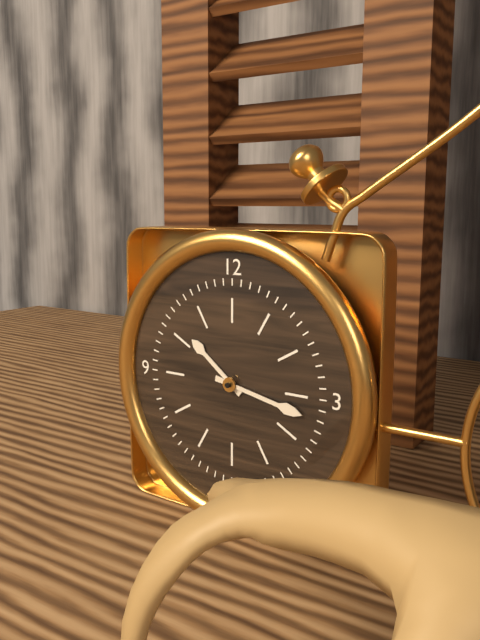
10:17
